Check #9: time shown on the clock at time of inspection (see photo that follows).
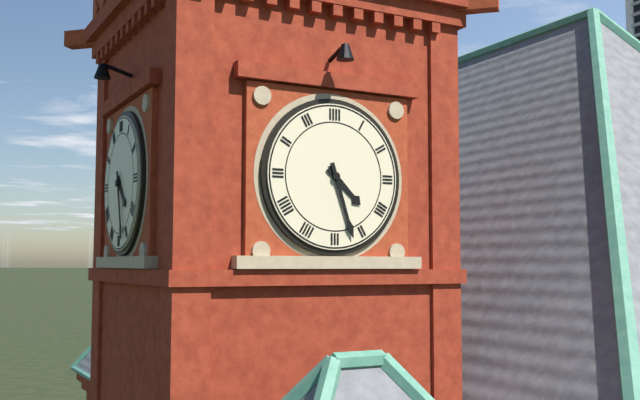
4:27
